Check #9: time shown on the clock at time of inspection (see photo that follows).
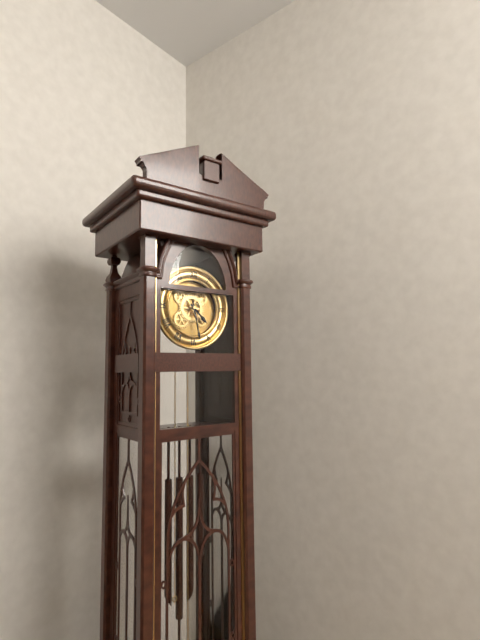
4:28
